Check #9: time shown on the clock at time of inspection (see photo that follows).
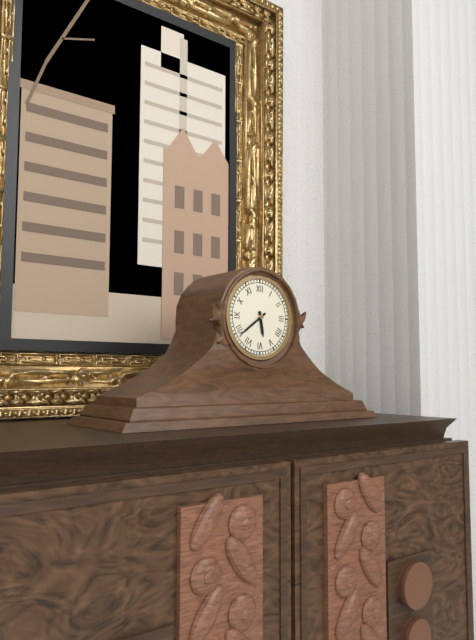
5:39
